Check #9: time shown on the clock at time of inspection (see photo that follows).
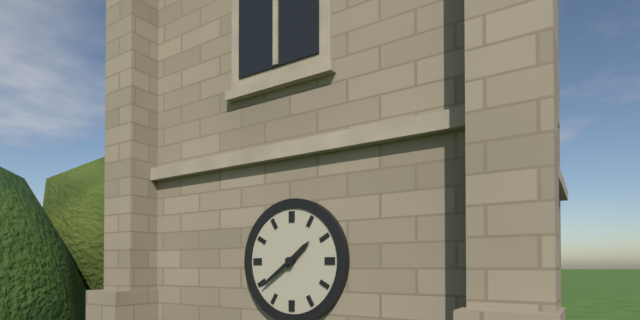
1:39
